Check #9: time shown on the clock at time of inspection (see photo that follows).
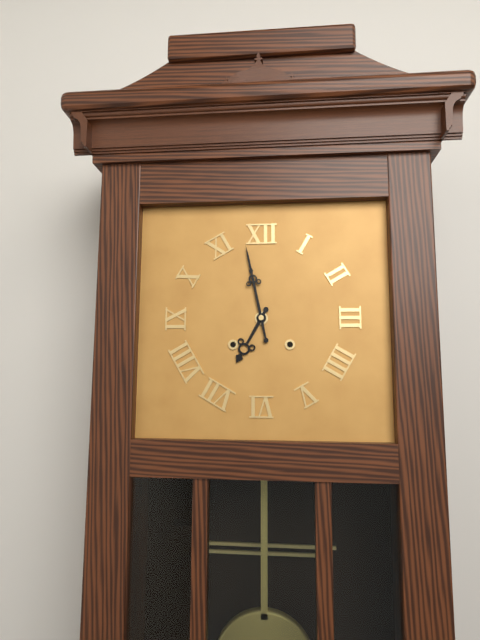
6:58
